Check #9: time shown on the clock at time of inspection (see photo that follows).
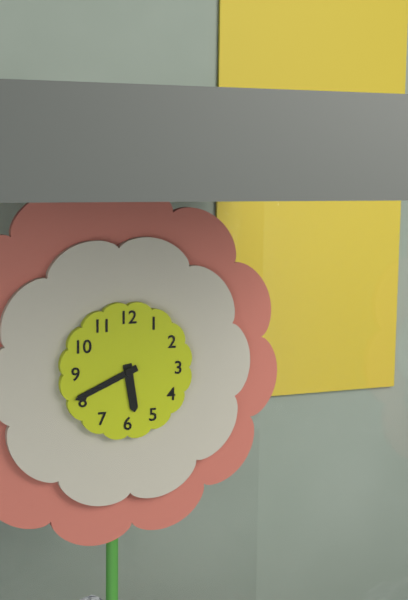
5:41
